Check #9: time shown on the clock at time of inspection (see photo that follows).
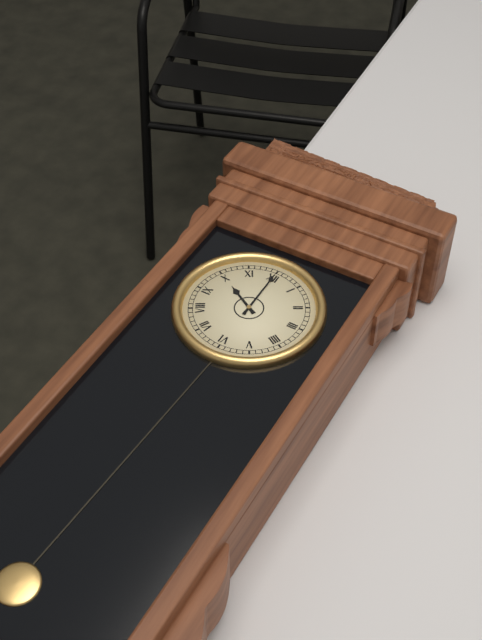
10:00
